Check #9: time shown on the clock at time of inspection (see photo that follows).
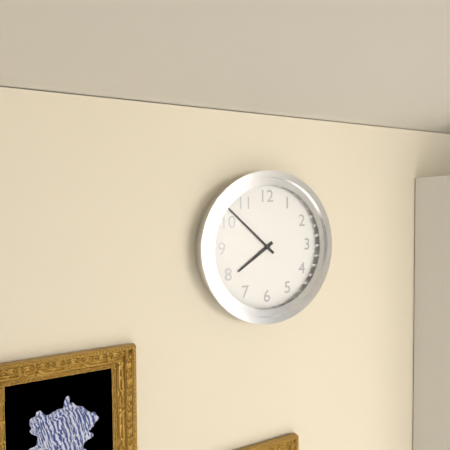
7:52
